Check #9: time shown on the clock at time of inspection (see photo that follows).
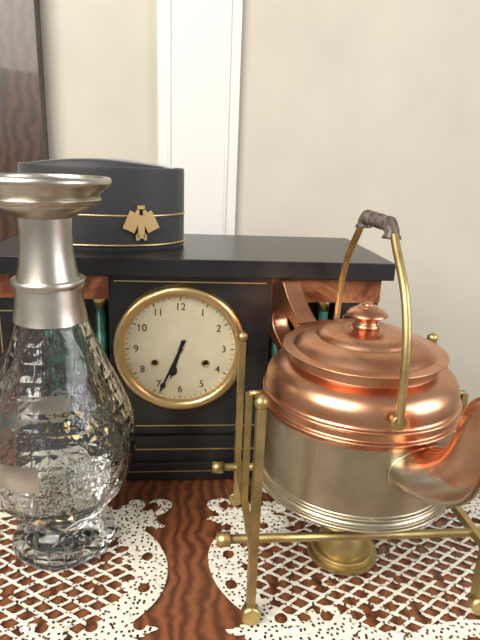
6:34
